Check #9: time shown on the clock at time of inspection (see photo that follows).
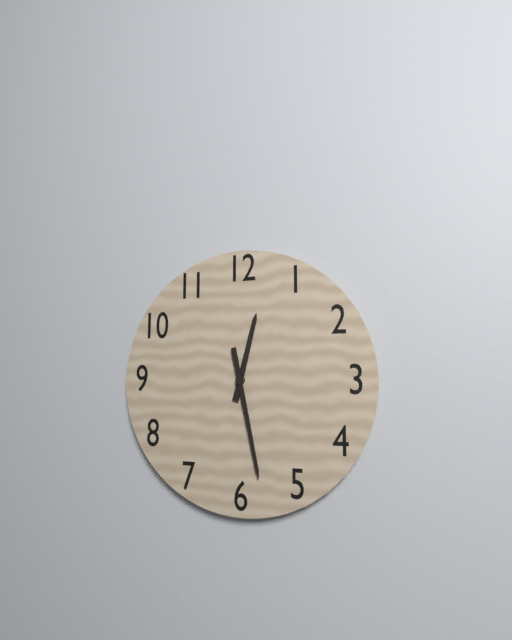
12:28
